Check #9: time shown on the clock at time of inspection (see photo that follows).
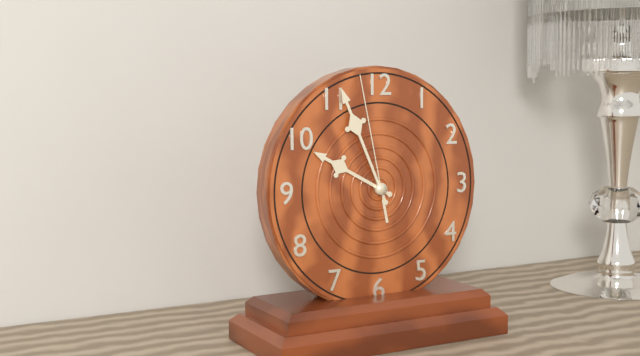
9:56:58
